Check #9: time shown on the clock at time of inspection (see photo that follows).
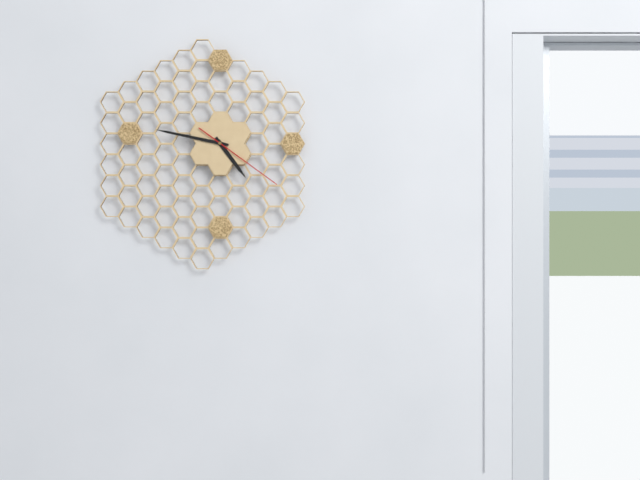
4:47:21
